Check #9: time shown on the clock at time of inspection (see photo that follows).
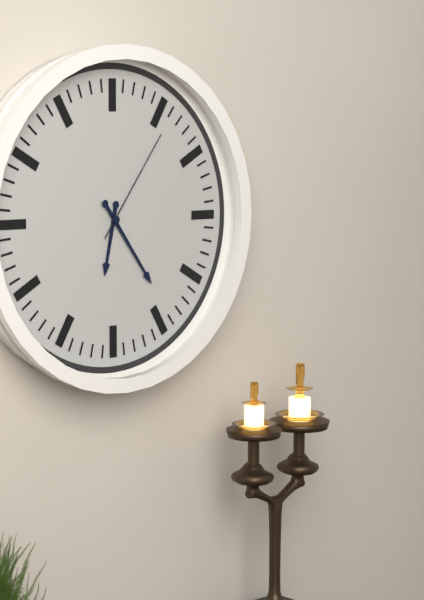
6:24:06
